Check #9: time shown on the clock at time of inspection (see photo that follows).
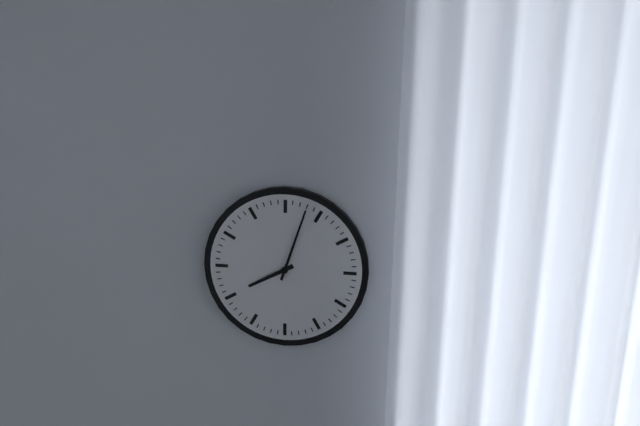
8:03
